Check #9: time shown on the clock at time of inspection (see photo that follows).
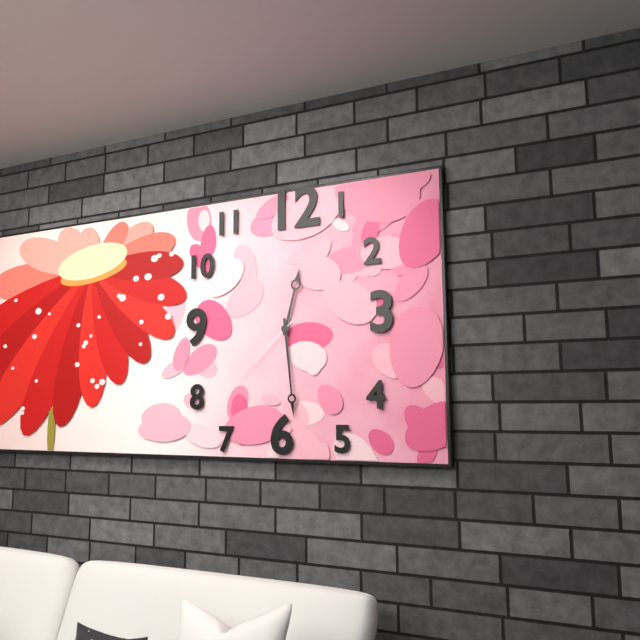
12:29:38
